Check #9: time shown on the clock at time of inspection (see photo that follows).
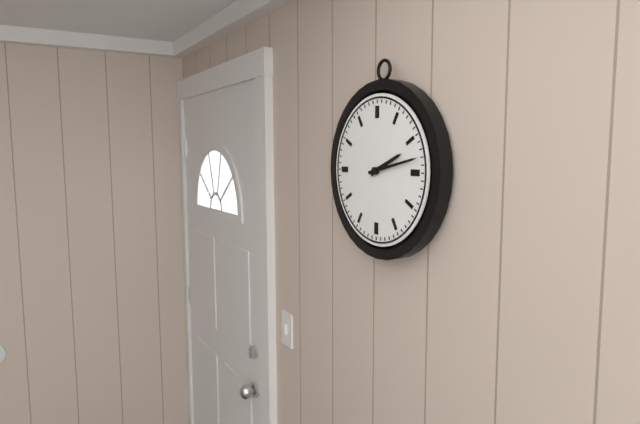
2:13
